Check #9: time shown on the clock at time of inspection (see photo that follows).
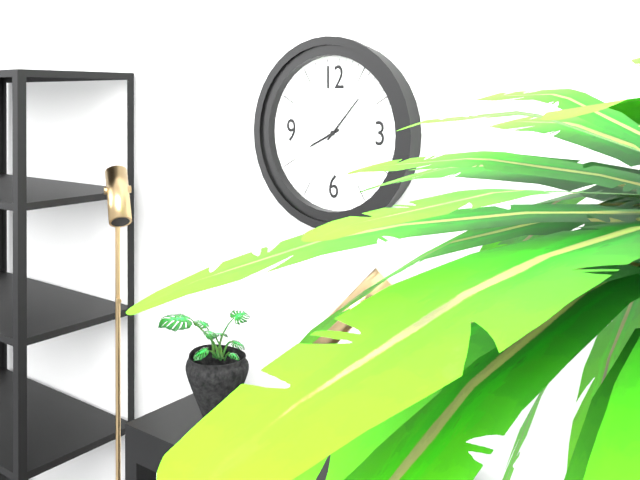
8:07
